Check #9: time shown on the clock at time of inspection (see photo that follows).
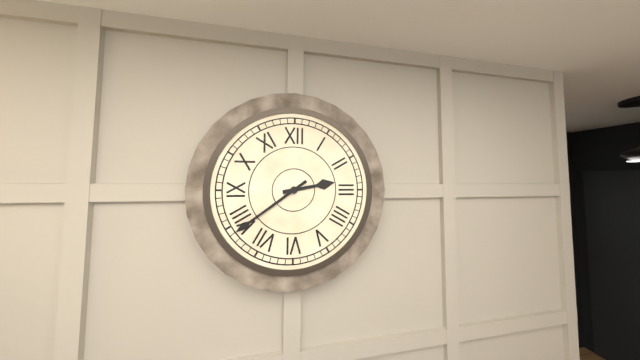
2:39
